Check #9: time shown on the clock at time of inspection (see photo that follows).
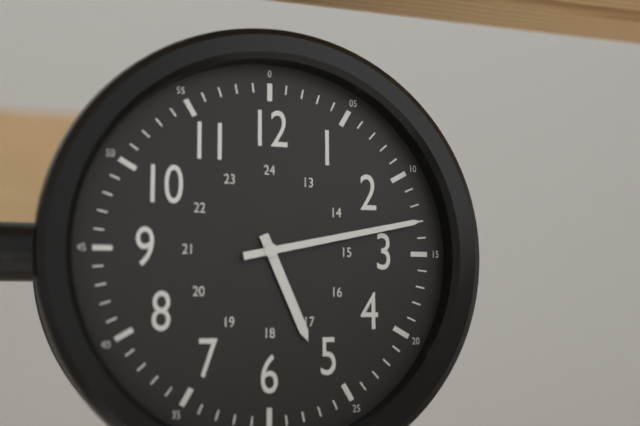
5:13
